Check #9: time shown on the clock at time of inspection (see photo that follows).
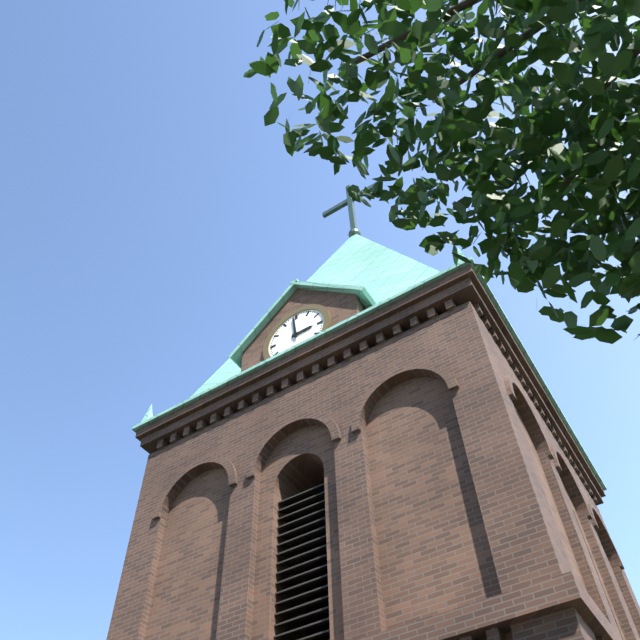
2:59
